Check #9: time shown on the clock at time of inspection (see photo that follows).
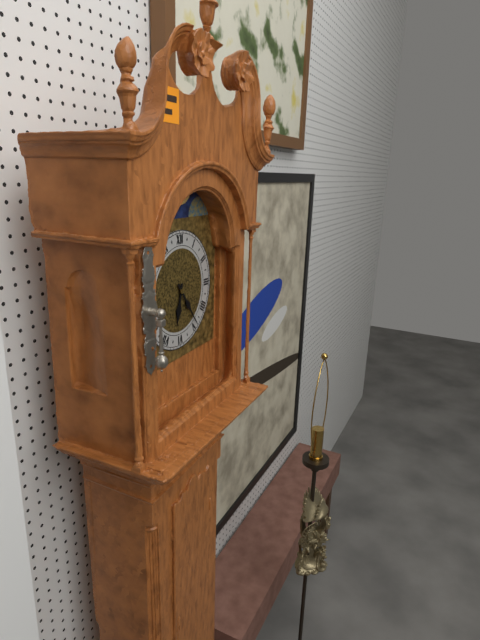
6:24
